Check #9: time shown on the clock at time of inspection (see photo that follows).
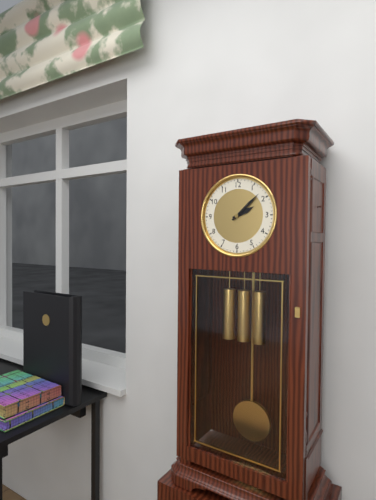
2:08
